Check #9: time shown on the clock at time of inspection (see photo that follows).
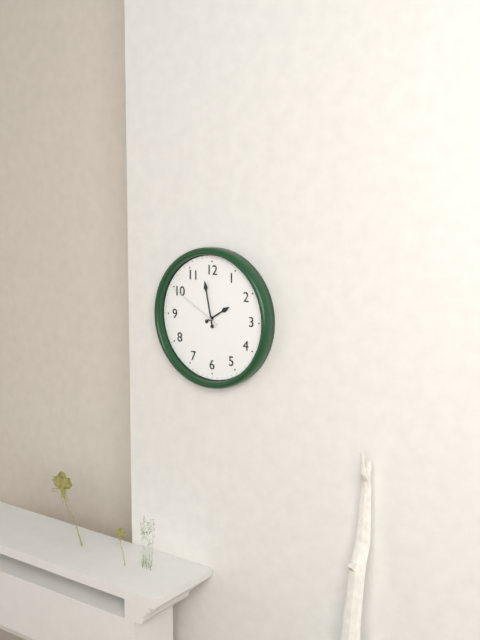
1:58:50
